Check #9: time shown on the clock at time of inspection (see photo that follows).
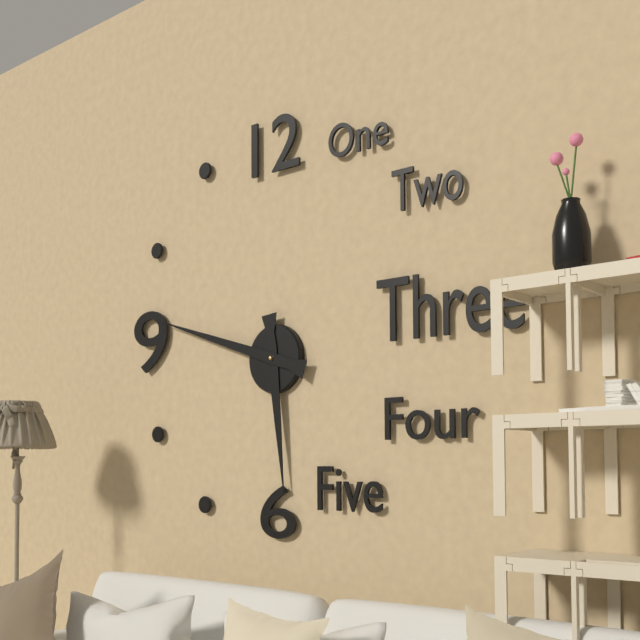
5:48
